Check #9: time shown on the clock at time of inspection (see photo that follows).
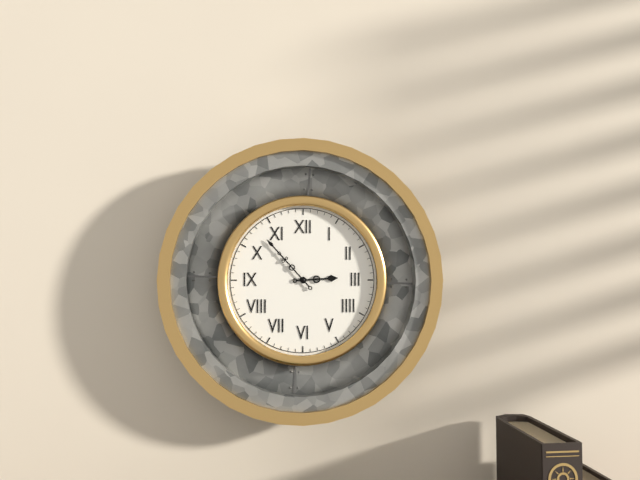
2:53
